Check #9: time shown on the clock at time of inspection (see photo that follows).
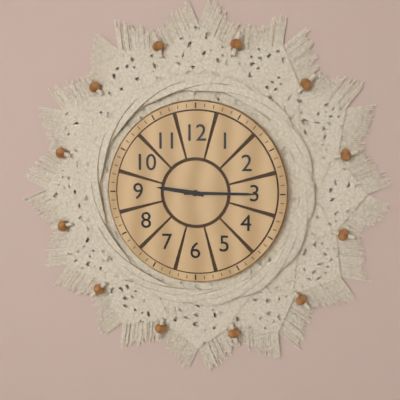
9:15
